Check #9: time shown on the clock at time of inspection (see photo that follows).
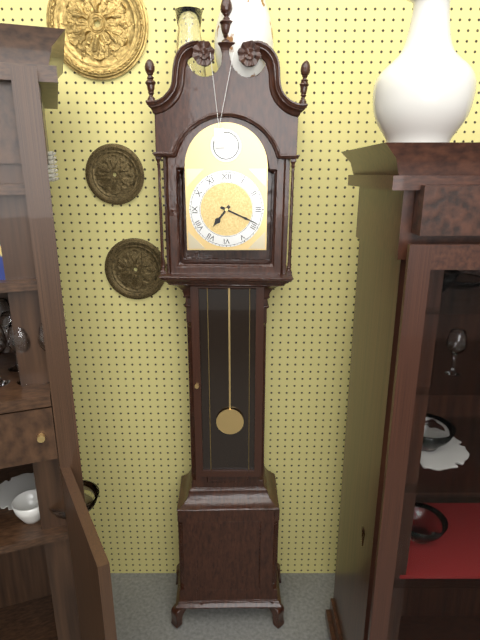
7:19
